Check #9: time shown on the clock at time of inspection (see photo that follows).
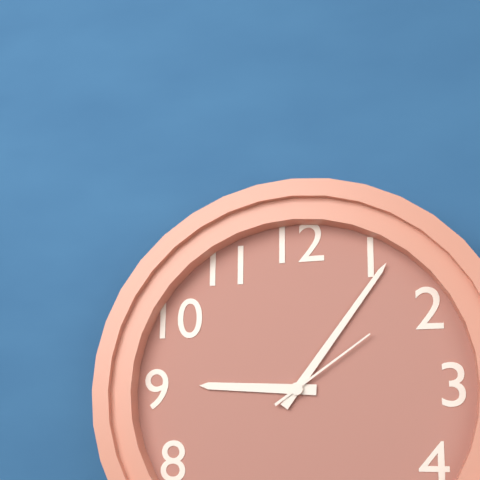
9:06:09
